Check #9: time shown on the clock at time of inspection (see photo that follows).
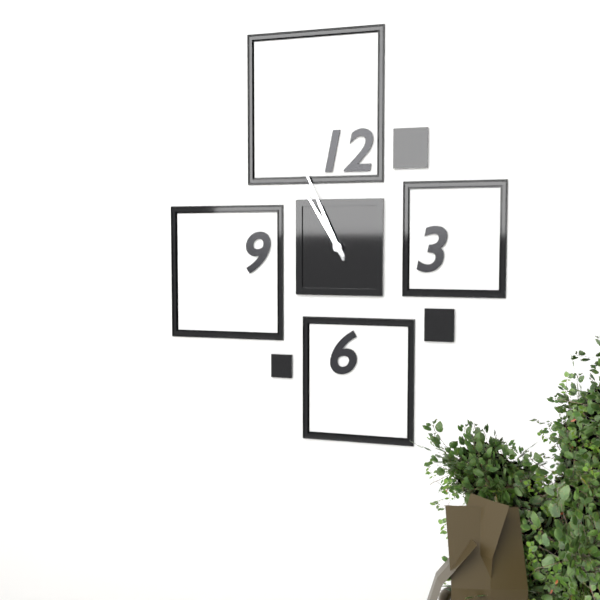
10:56
